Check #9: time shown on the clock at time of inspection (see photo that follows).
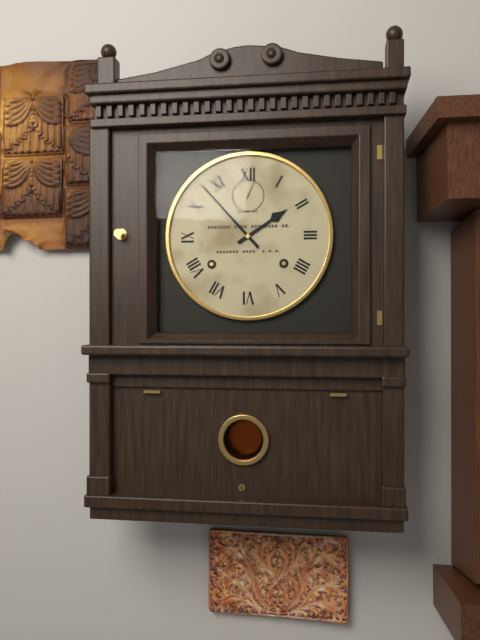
1:53
